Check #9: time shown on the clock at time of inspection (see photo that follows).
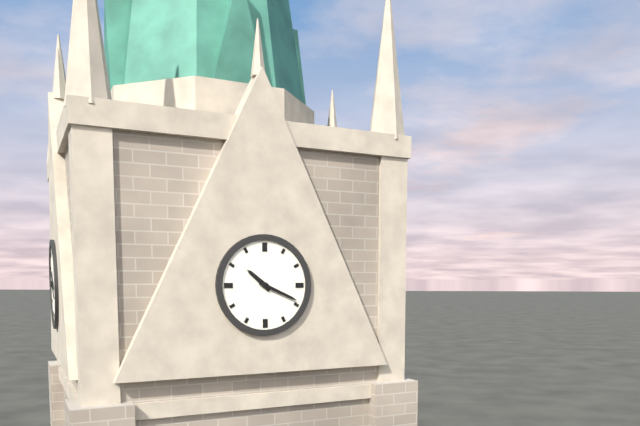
10:19
